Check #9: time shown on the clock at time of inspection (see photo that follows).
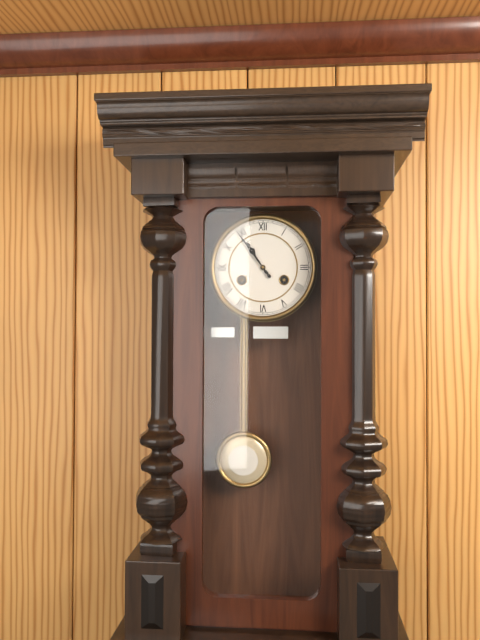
10:54
